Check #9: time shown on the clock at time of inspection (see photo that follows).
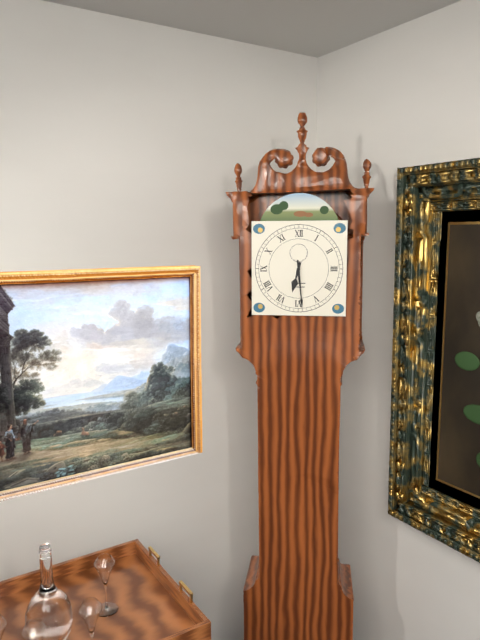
6:29
